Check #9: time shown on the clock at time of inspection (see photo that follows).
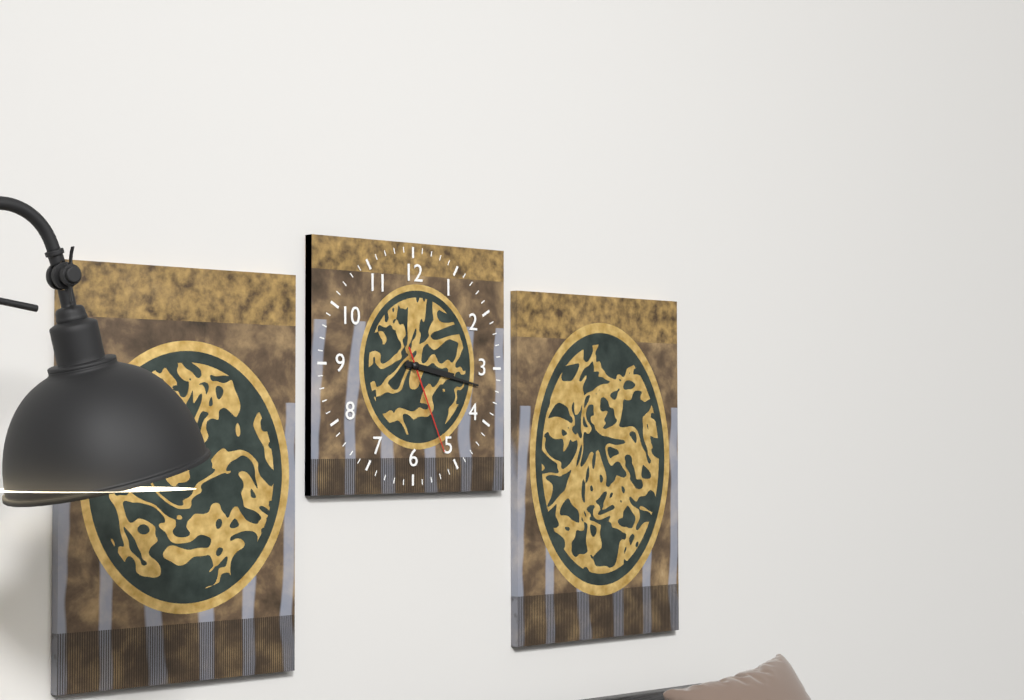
3:17:26
